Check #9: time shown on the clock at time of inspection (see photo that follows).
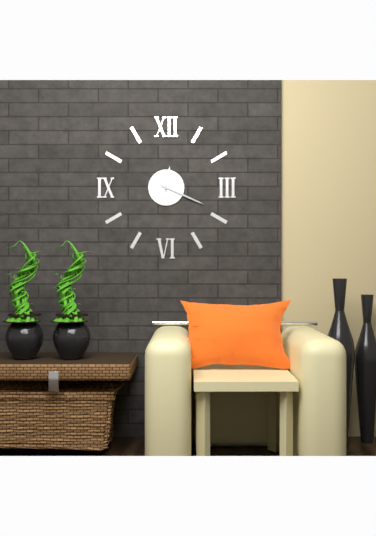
12:19
